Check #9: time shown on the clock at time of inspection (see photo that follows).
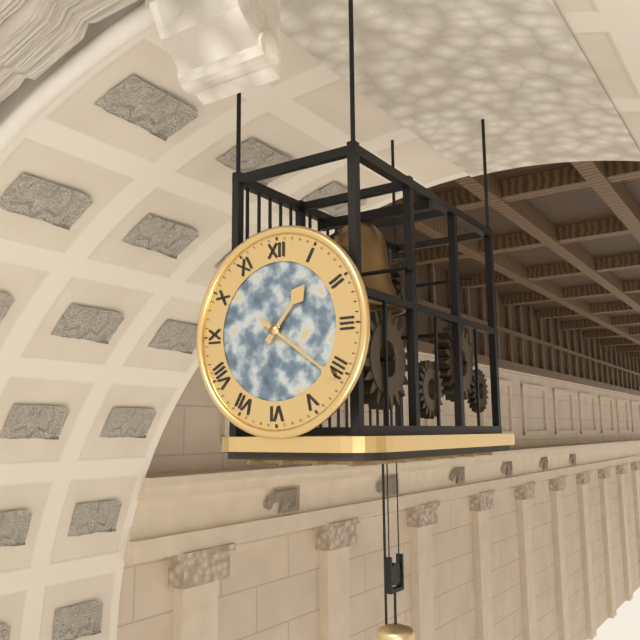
1:21
